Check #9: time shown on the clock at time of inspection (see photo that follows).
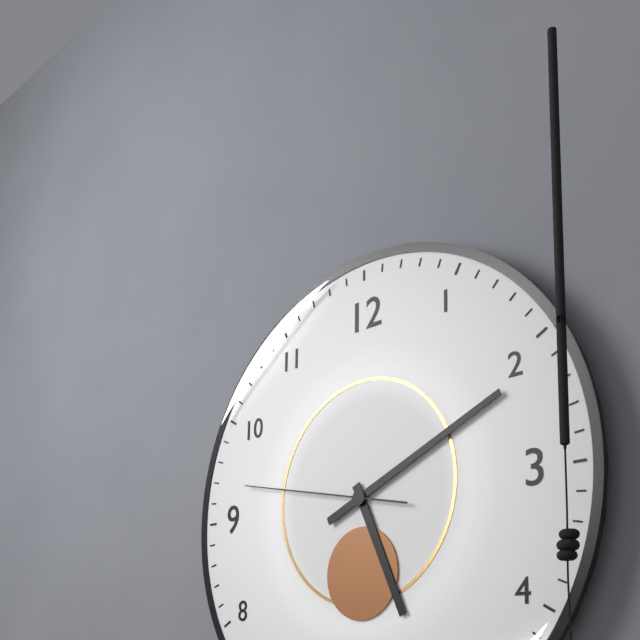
5:11:47
